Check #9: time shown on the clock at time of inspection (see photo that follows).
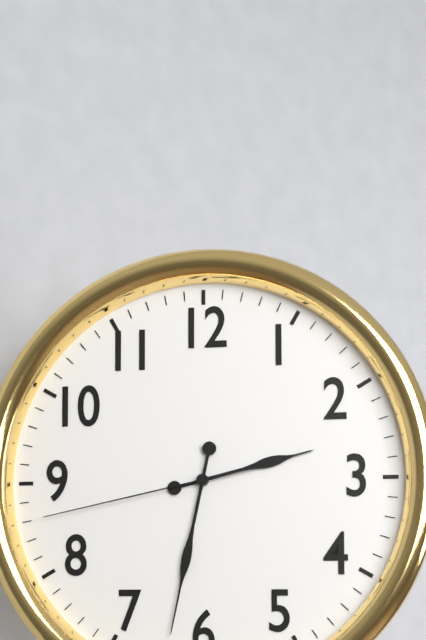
2:32:43
